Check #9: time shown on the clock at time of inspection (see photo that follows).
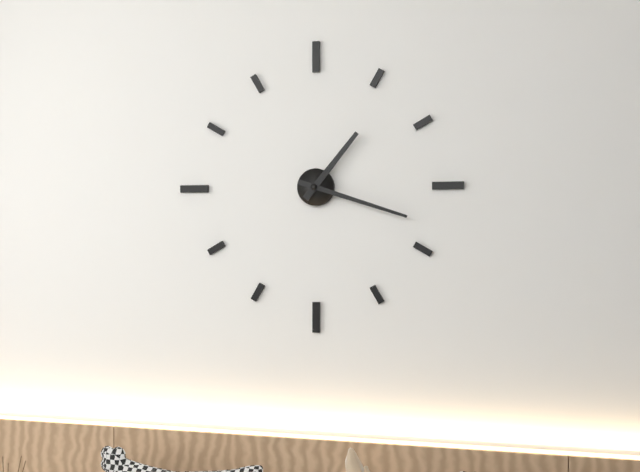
1:18
